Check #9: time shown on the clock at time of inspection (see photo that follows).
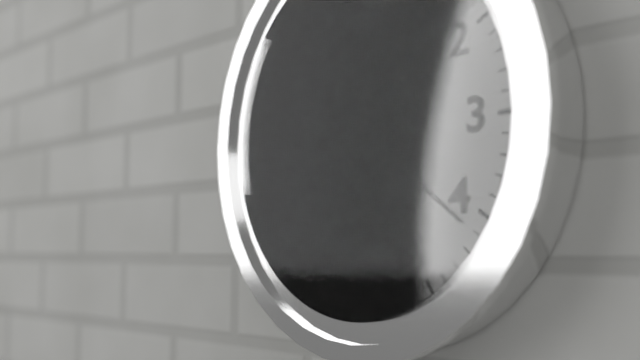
1:21
